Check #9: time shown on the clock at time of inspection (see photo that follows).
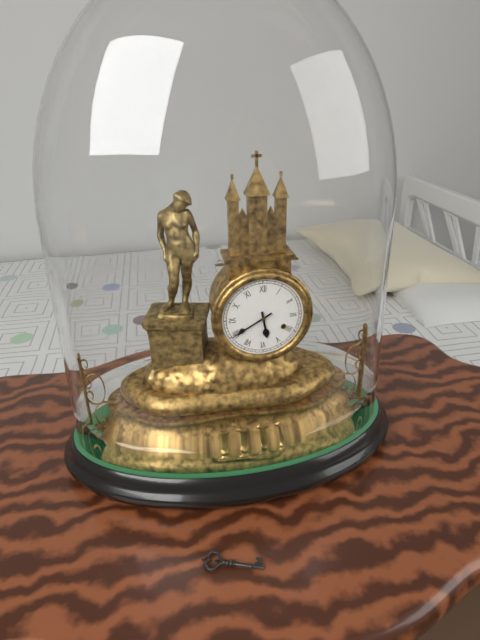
5:40
